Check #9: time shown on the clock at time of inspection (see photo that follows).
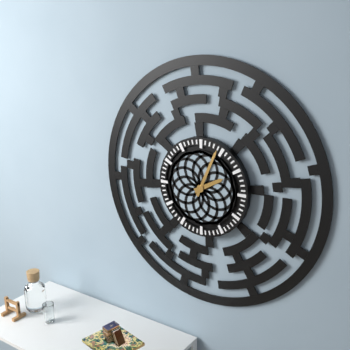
2:04
